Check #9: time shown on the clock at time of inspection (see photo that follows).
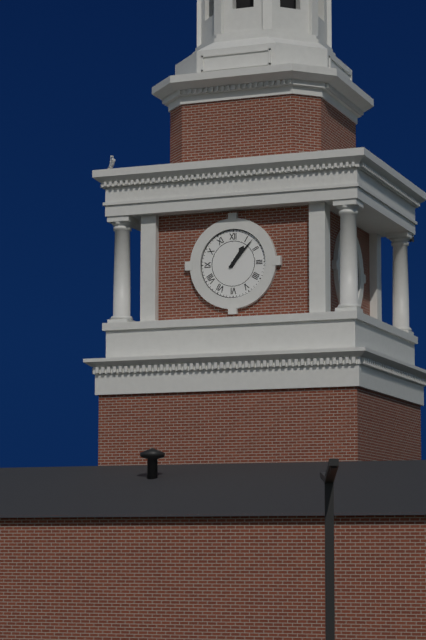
1:07
